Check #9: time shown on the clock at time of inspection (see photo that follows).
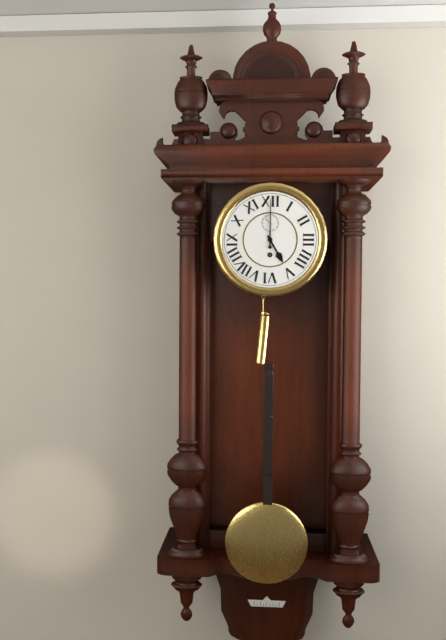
5:00
